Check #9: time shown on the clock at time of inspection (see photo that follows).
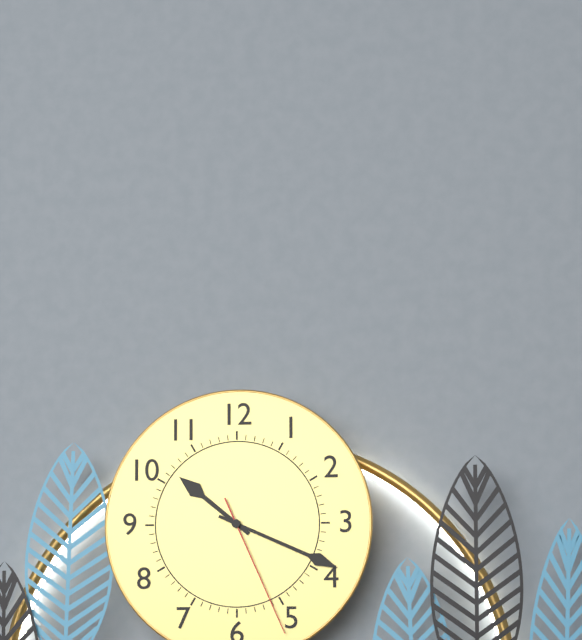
10:19:26
